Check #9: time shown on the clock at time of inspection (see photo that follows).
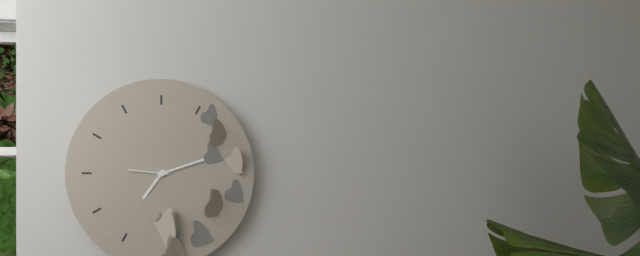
7:12
